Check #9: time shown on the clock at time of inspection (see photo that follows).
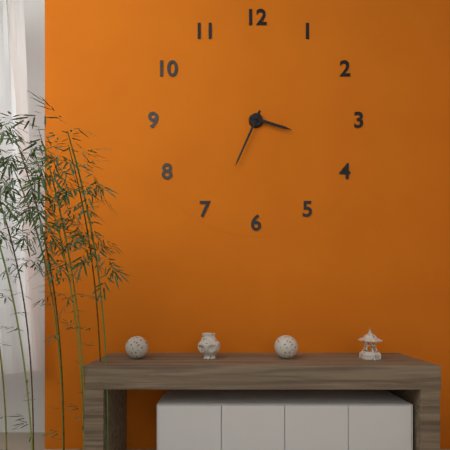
3:34
